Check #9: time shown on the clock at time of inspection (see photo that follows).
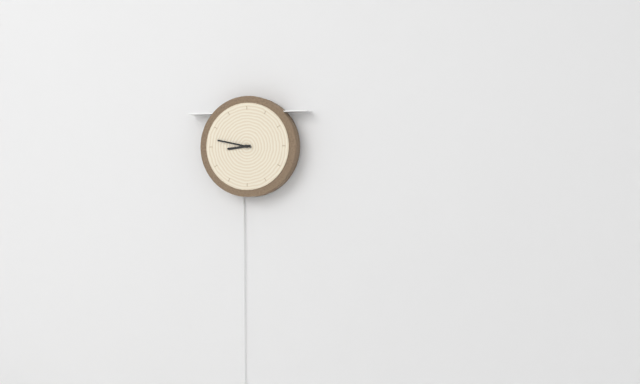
8:47
